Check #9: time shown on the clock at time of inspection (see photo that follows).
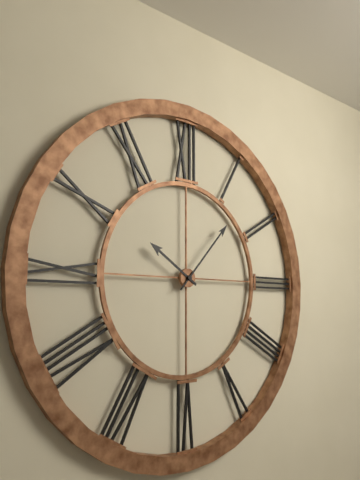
10:07
